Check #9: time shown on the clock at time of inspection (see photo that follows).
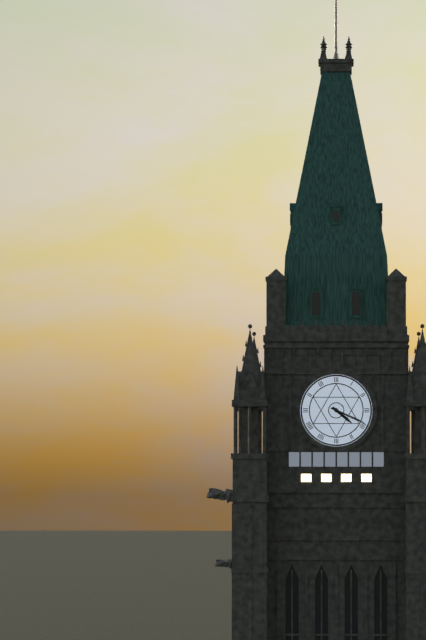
4:19
